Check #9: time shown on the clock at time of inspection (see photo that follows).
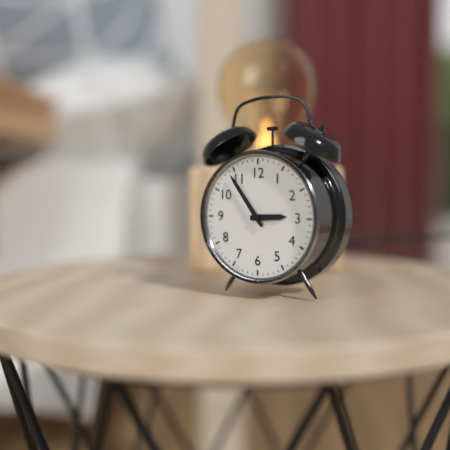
2:54
